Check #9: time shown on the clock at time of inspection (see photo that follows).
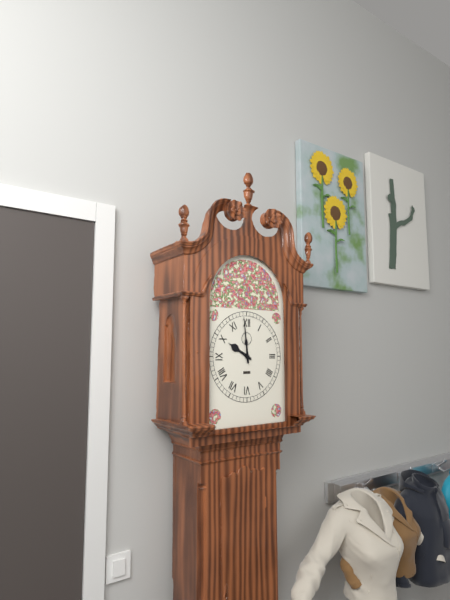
9:59
